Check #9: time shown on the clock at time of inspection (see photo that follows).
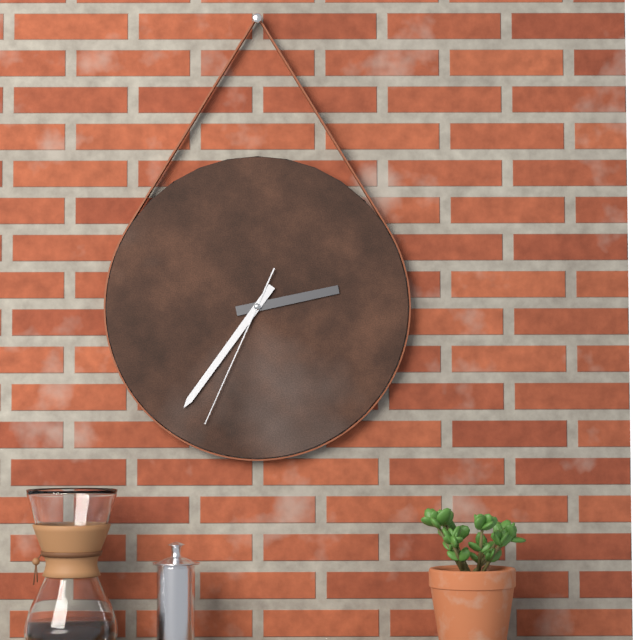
2:36:34
